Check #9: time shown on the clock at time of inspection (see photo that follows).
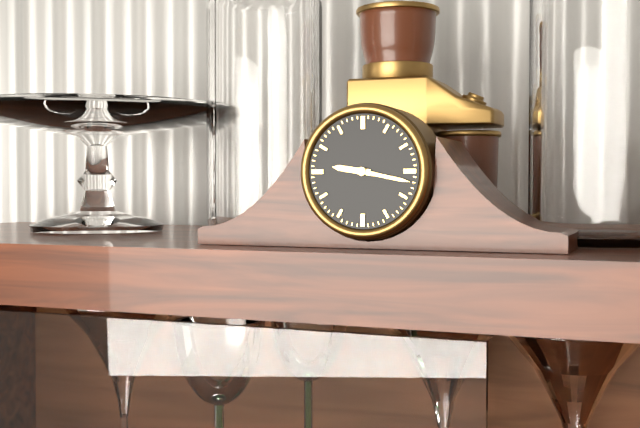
9:17
